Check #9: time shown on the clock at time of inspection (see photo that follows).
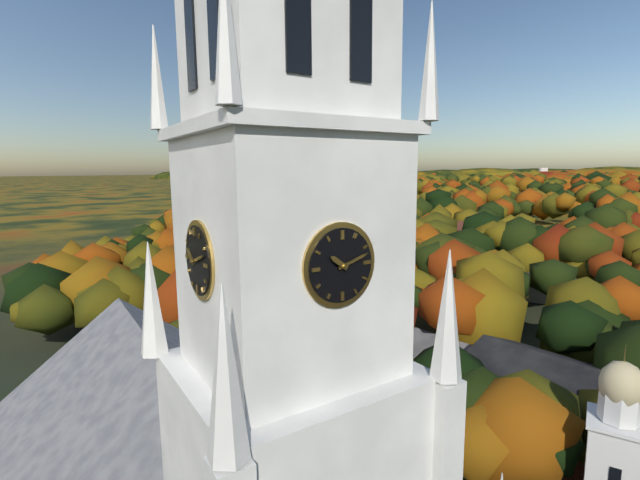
10:12
